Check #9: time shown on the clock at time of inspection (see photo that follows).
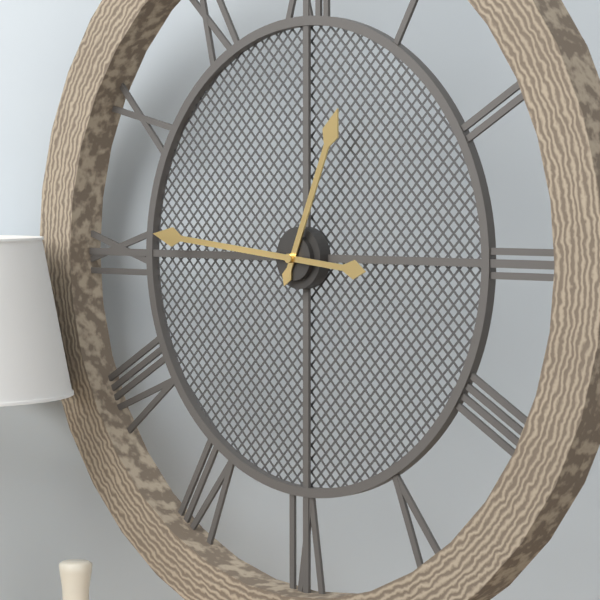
12:46
